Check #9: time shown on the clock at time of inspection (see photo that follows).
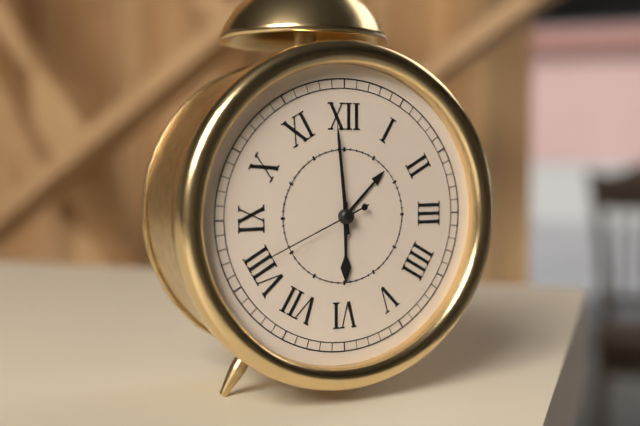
5:59:41
